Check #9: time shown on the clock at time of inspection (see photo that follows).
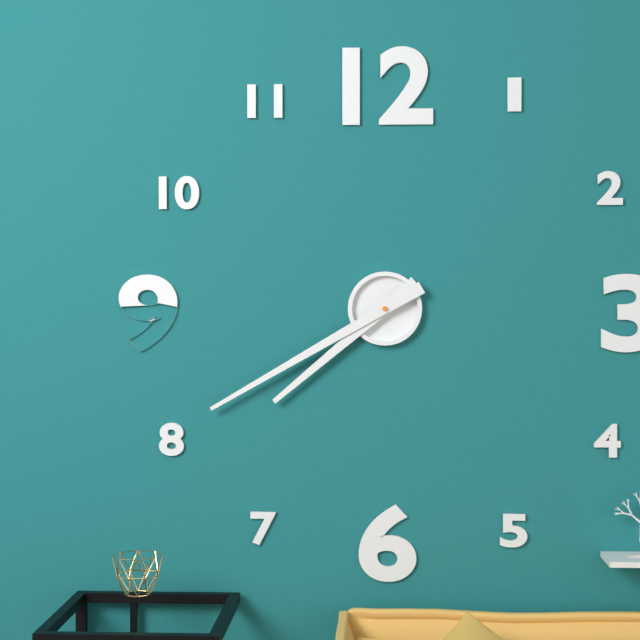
7:40
